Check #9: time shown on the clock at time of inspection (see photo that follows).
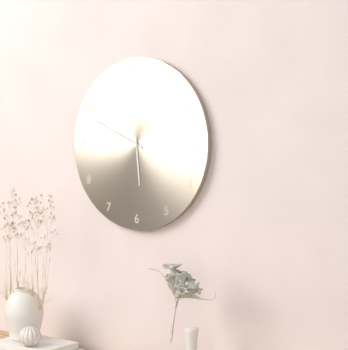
5:49
